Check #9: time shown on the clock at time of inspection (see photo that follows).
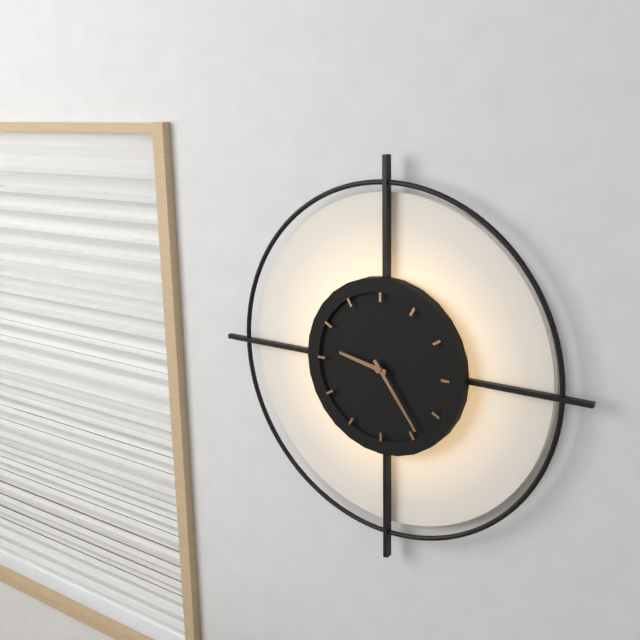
9:24
